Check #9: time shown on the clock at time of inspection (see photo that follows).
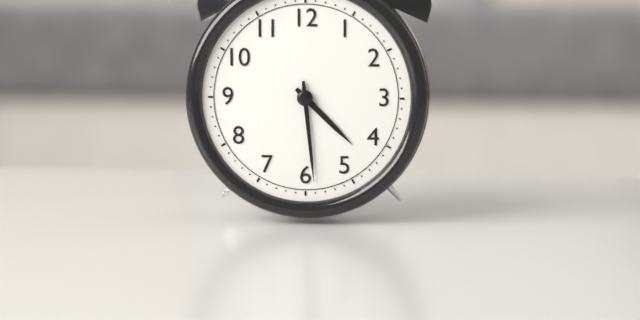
4:29
